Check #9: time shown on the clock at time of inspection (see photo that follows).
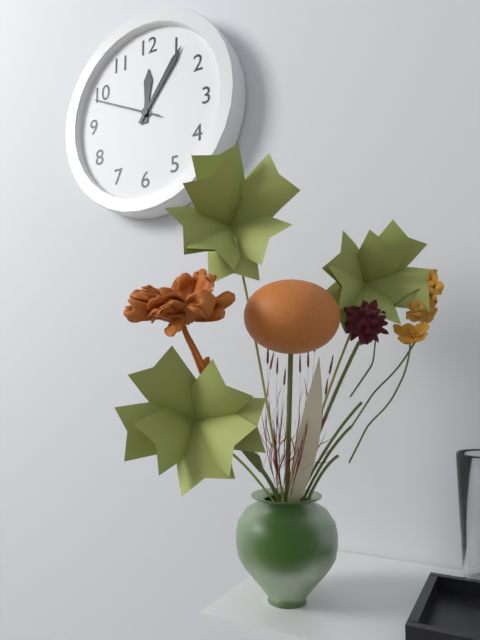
12:06:49
